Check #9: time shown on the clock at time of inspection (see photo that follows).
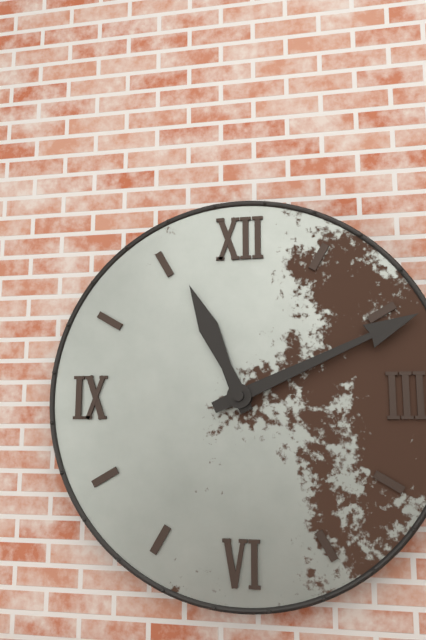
11:11
